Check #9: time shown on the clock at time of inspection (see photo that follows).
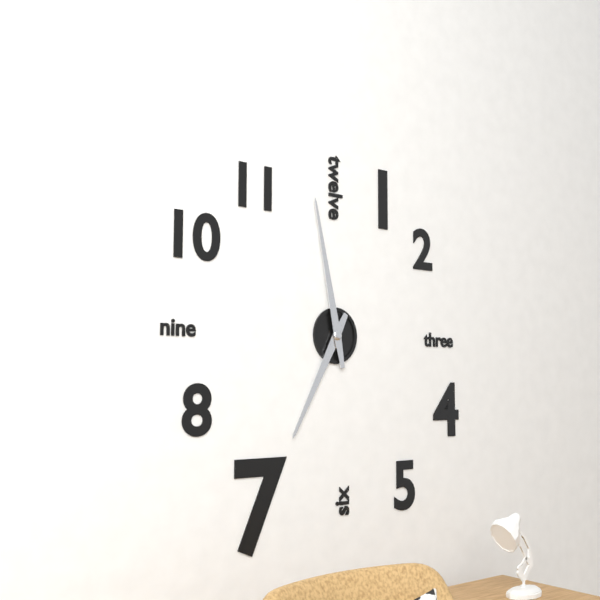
6:58
